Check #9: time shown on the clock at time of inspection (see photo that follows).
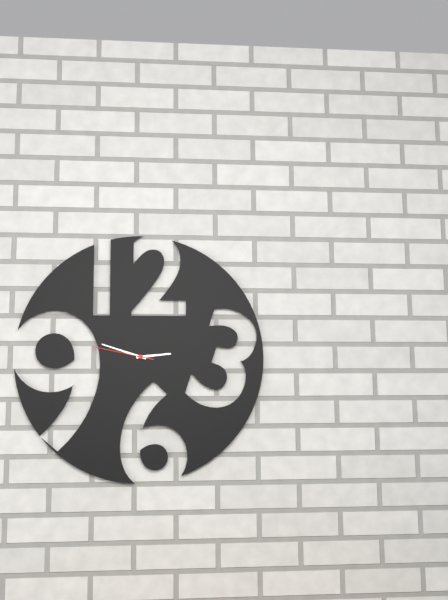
2:48:47
